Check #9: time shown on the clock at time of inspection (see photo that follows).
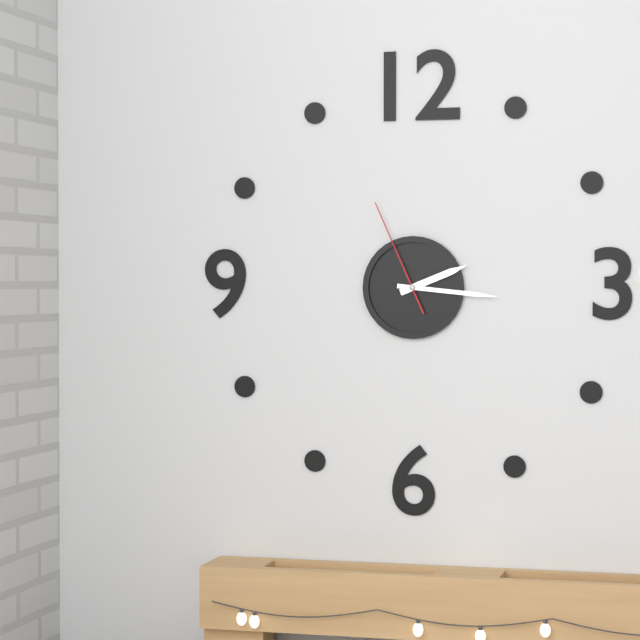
2:16:56
